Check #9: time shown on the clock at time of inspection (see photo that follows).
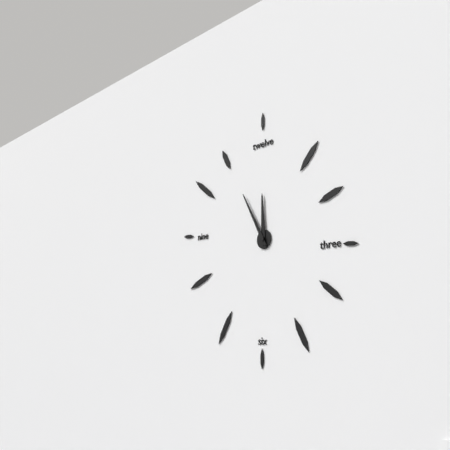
11:55
